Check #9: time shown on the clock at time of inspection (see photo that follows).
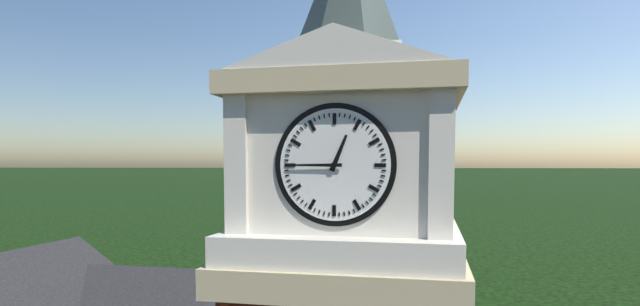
12:45
